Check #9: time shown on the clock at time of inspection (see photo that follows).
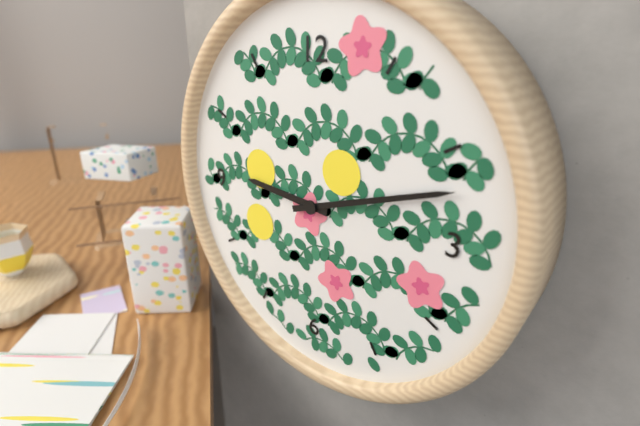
9:12
